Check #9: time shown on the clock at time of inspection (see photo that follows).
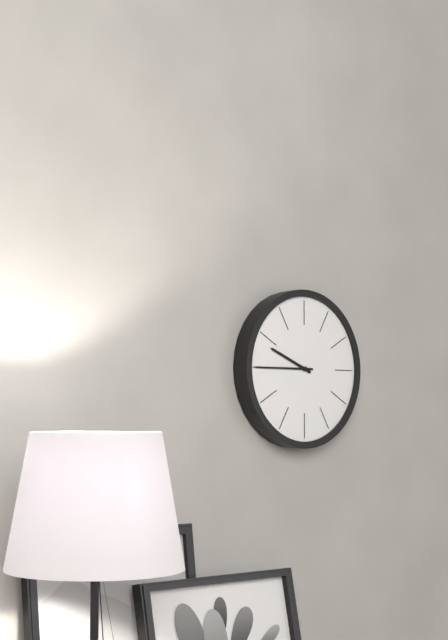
9:45
